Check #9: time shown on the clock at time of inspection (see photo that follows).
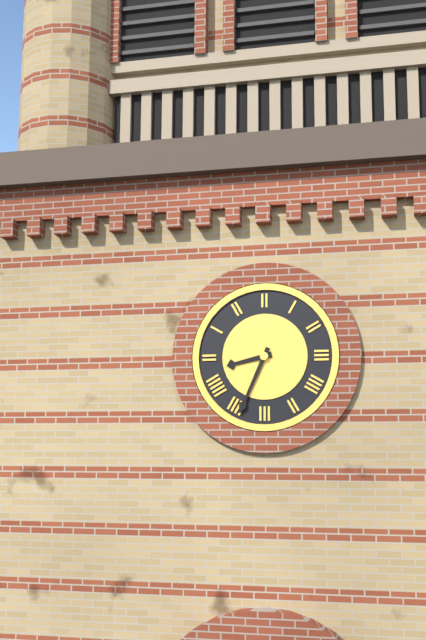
8:34
